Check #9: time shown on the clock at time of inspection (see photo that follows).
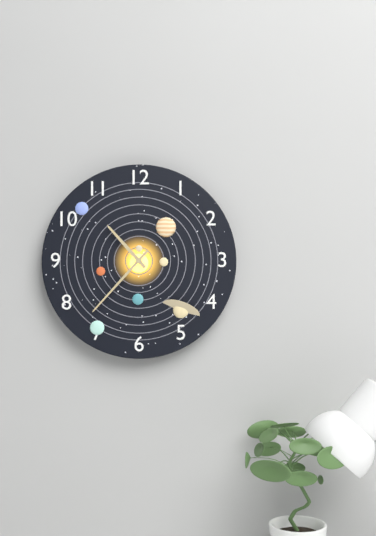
10:37
